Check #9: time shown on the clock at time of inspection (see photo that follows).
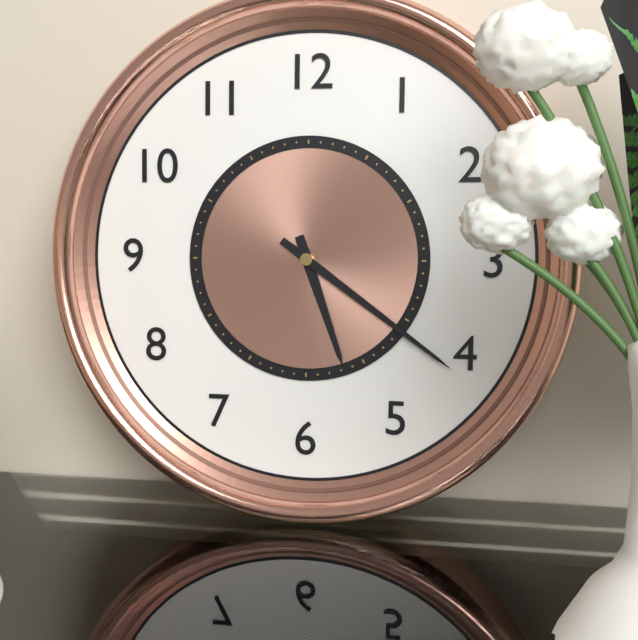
5:21
